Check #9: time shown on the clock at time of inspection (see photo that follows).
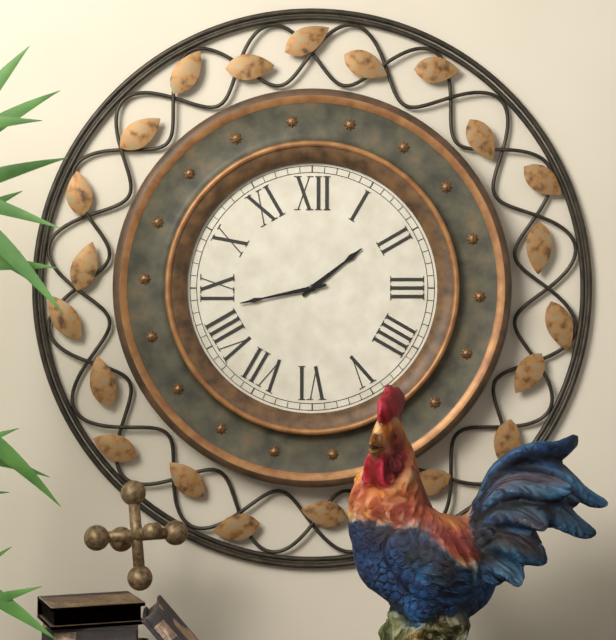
1:43
